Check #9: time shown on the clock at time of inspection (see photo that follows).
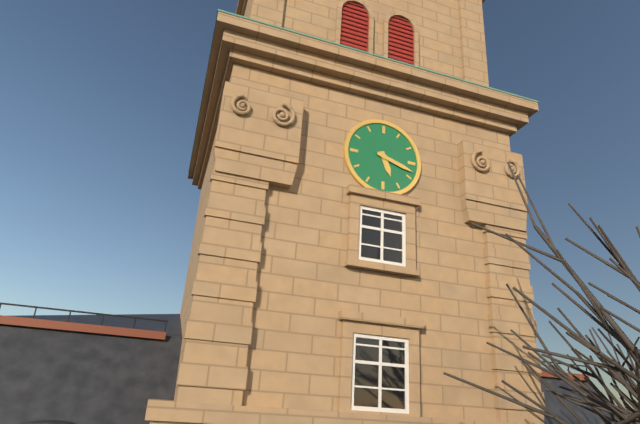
5:18
